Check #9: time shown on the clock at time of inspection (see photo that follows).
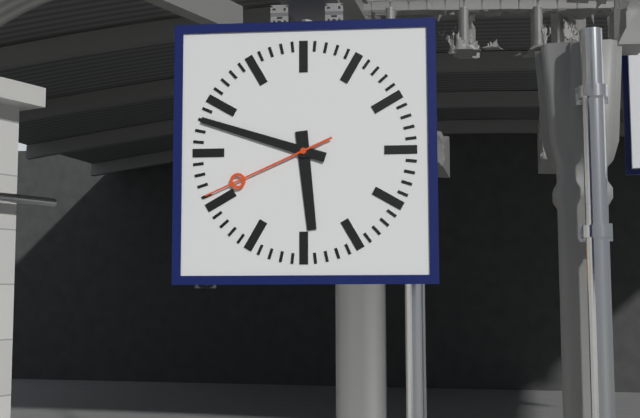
5:48:41
